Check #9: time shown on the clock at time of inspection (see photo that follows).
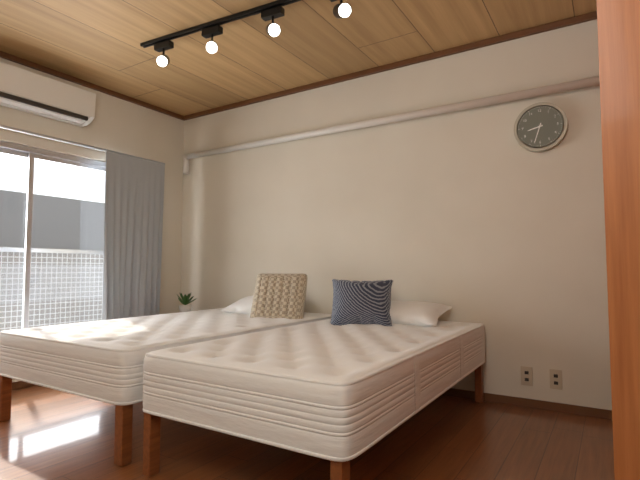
8:33
